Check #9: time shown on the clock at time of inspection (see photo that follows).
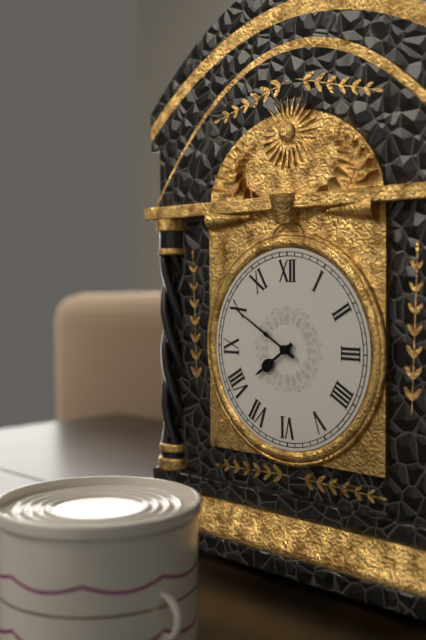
7:50
